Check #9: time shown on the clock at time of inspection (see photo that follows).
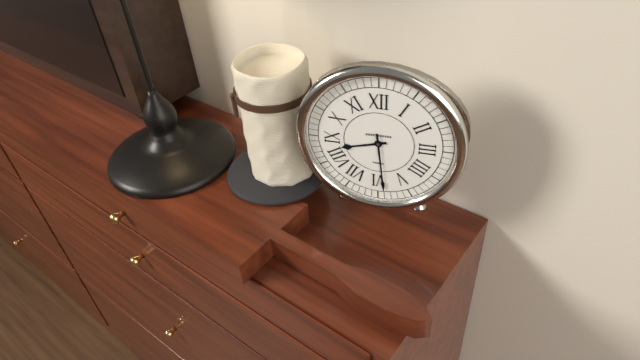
8:29
